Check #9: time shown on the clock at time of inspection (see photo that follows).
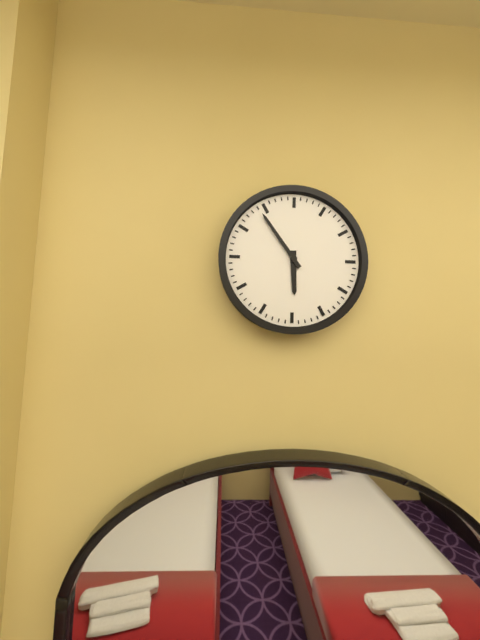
5:54
